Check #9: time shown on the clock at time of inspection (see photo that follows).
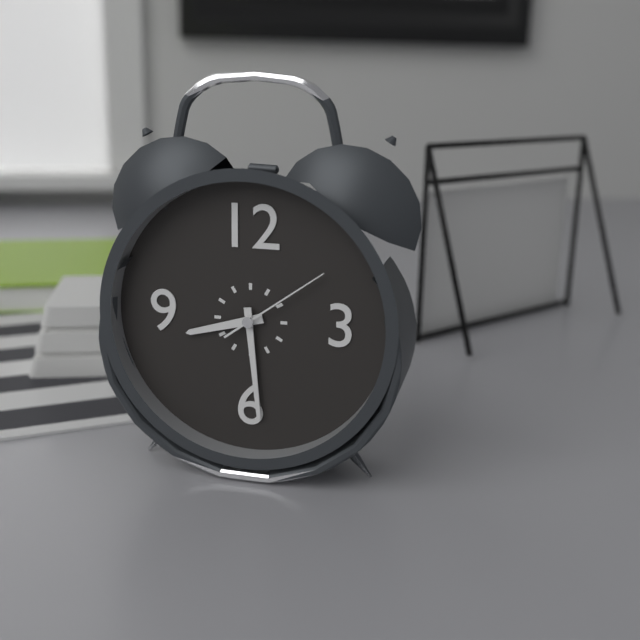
8:29:09
